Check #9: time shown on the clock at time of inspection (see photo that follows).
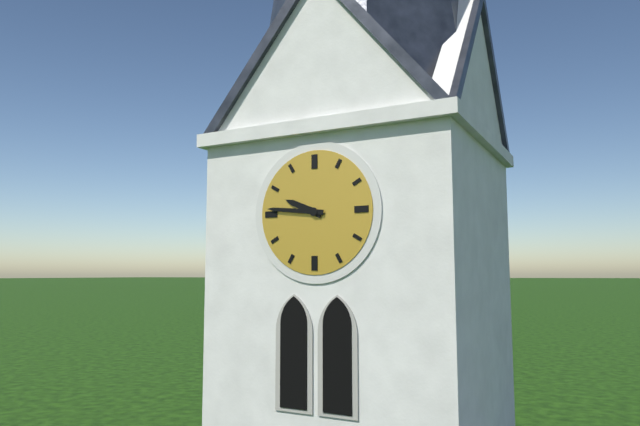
9:46
